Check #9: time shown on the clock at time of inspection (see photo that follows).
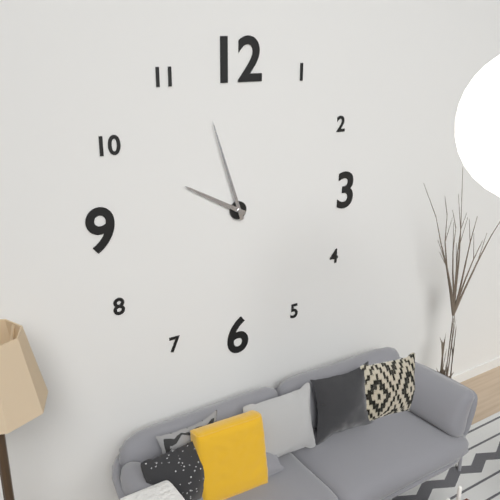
9:57
